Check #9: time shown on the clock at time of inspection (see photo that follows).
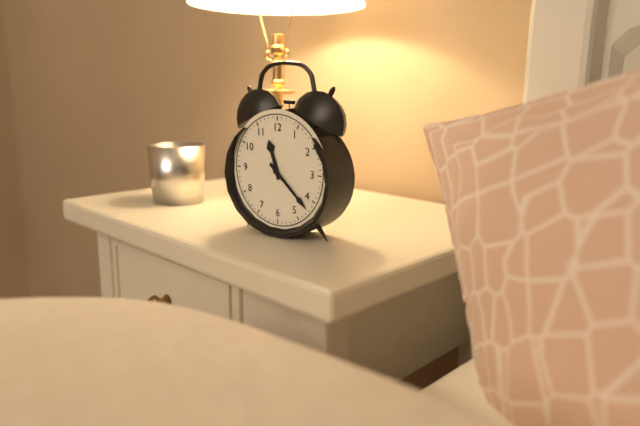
11:22
